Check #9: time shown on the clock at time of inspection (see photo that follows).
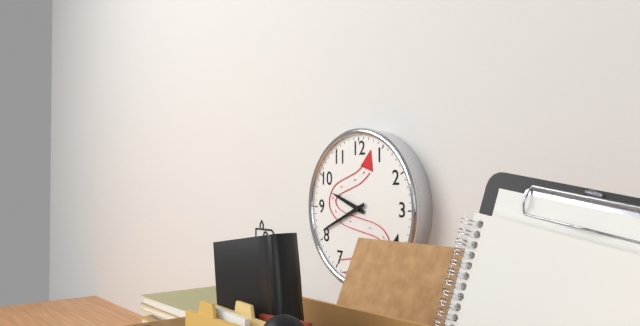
9:41
